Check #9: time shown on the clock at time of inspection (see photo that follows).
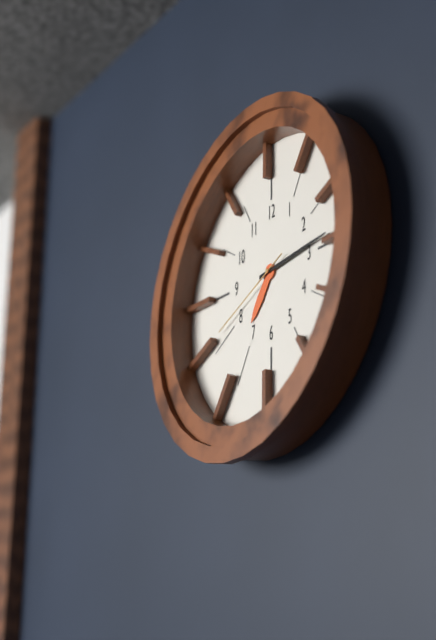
7:14:41
